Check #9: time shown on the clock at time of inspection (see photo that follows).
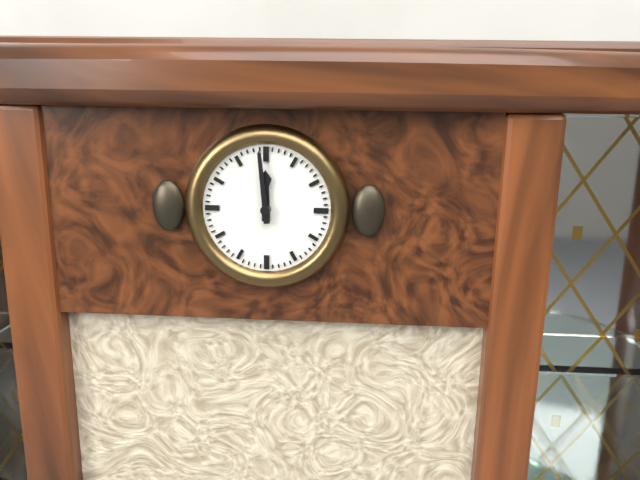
11:59
